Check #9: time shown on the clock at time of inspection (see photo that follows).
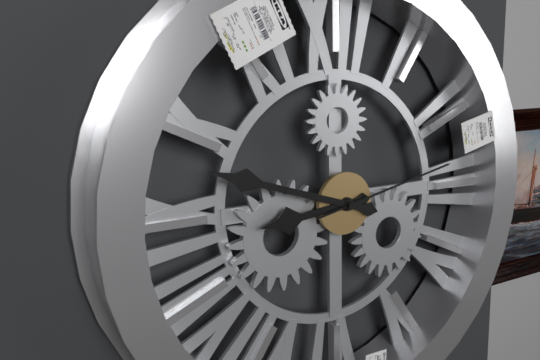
8:48:13
